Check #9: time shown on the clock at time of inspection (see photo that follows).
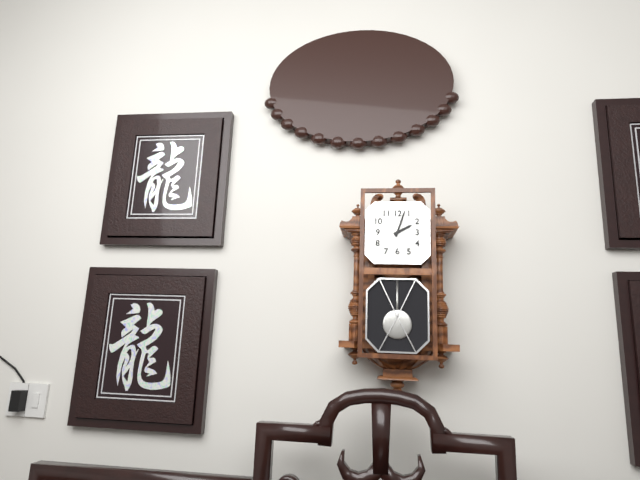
2:03
